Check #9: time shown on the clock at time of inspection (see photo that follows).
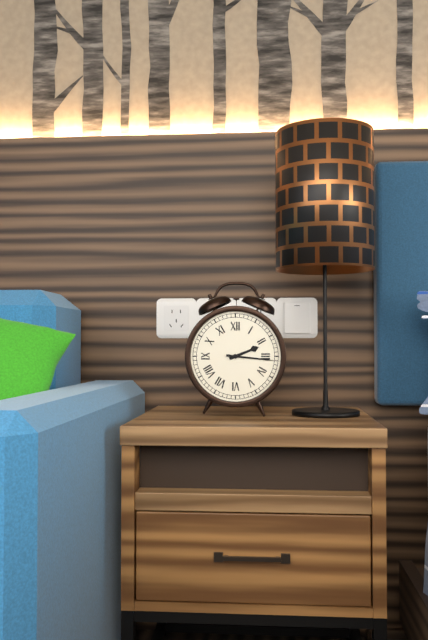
2:16
